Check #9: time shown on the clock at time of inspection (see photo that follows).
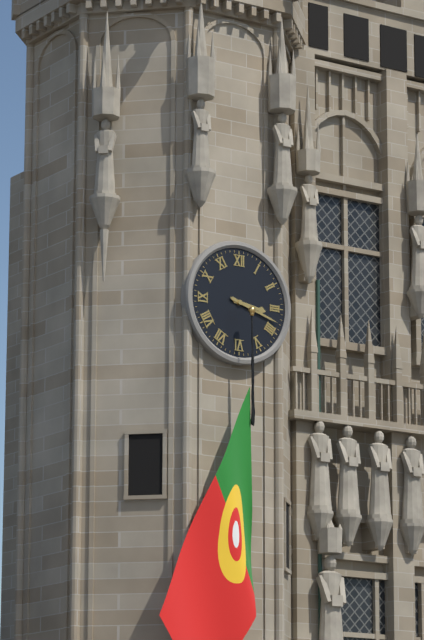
3:18
